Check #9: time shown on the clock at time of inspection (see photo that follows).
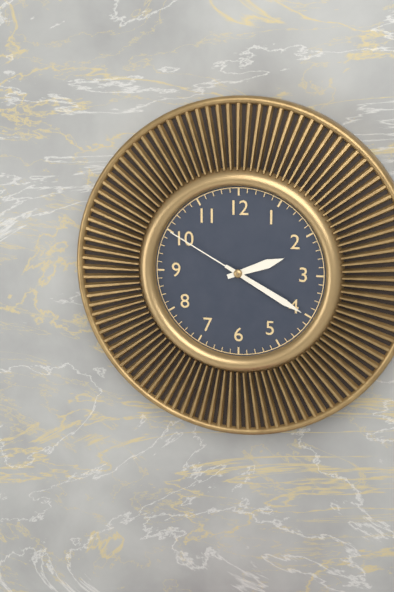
2:20:50
